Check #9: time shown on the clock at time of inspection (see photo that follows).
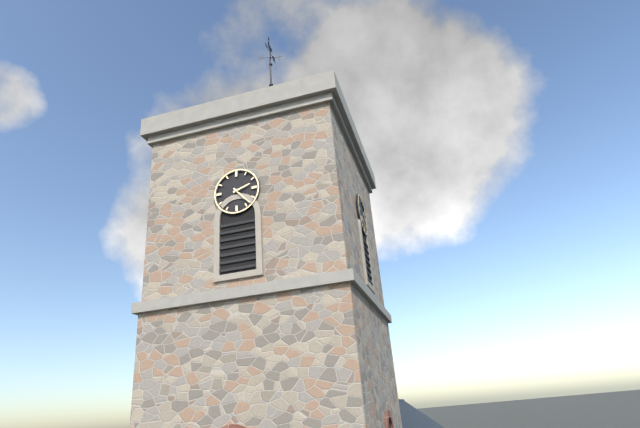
2:23
